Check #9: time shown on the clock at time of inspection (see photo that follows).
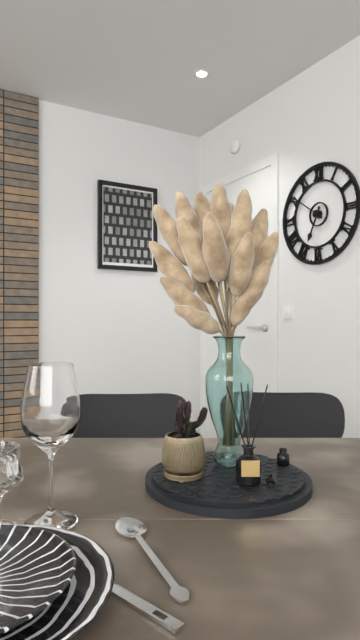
6:51
